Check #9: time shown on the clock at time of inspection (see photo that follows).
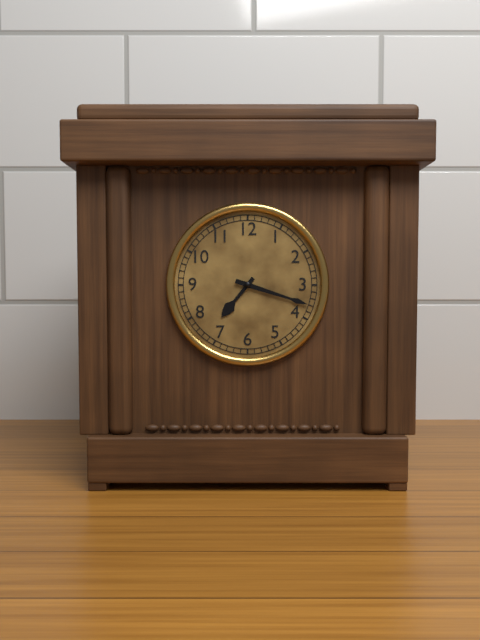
7:18
